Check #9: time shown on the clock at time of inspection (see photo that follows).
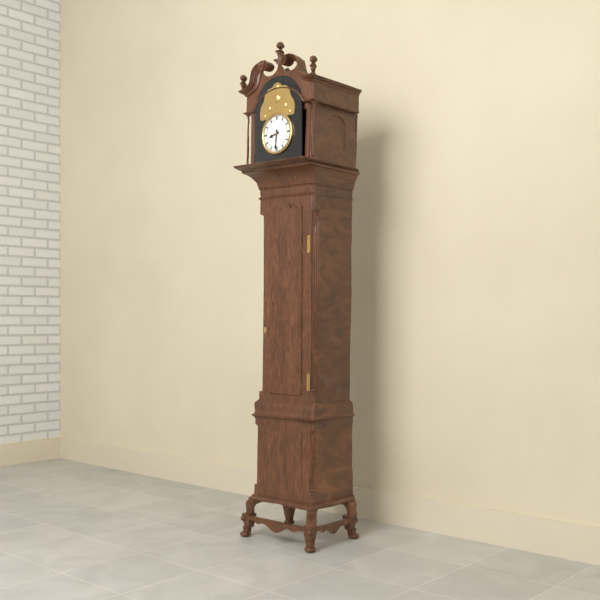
8:31
